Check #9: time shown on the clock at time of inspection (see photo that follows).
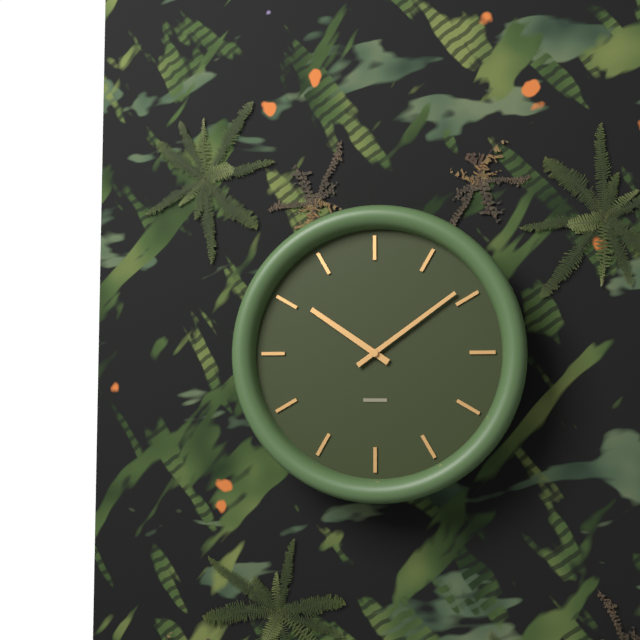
10:09
